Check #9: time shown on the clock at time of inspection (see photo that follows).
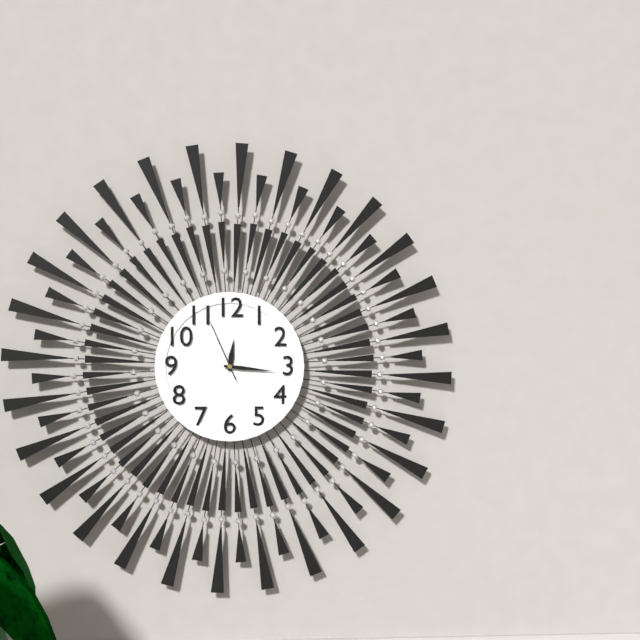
12:16:56
